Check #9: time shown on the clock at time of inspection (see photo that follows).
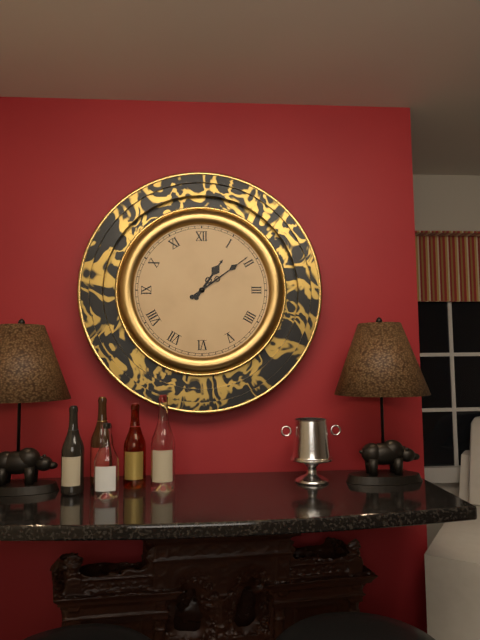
1:09
